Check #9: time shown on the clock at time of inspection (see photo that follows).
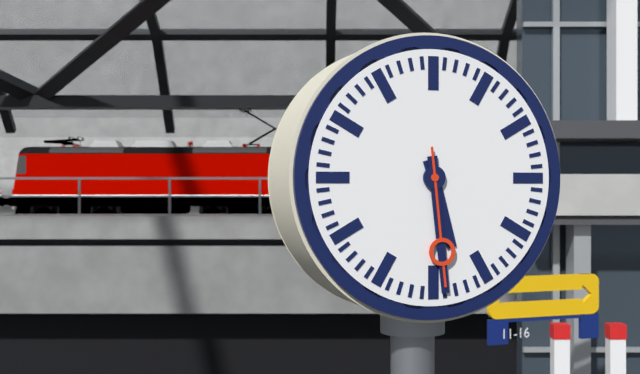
5:29:29
